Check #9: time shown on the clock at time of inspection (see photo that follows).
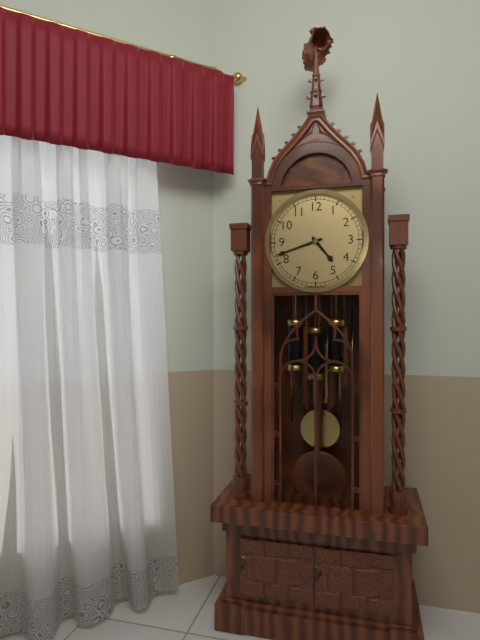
4:42
